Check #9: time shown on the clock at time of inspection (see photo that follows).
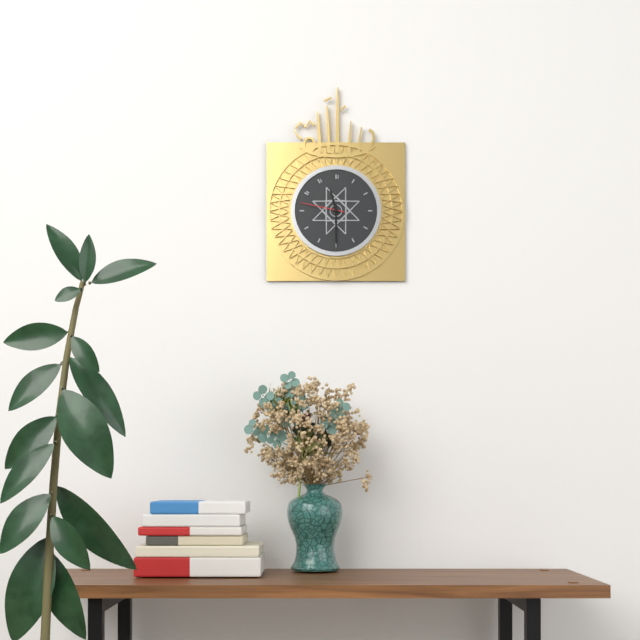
11:30
